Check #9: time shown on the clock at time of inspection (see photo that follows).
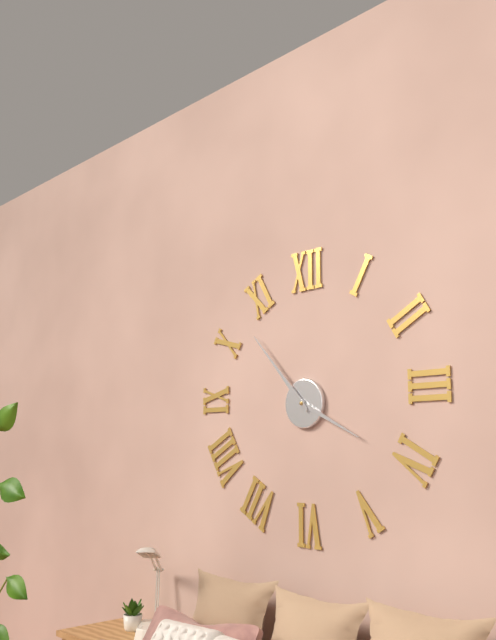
3:53
